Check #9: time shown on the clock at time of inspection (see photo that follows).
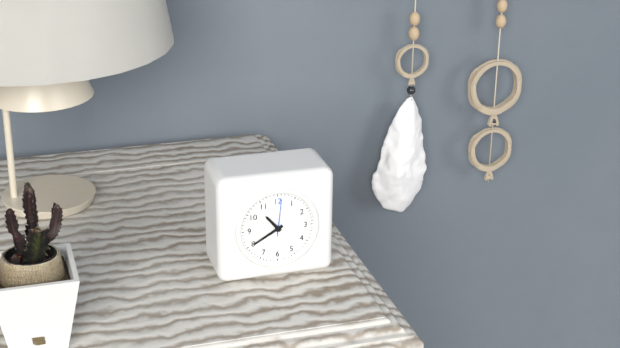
10:40
